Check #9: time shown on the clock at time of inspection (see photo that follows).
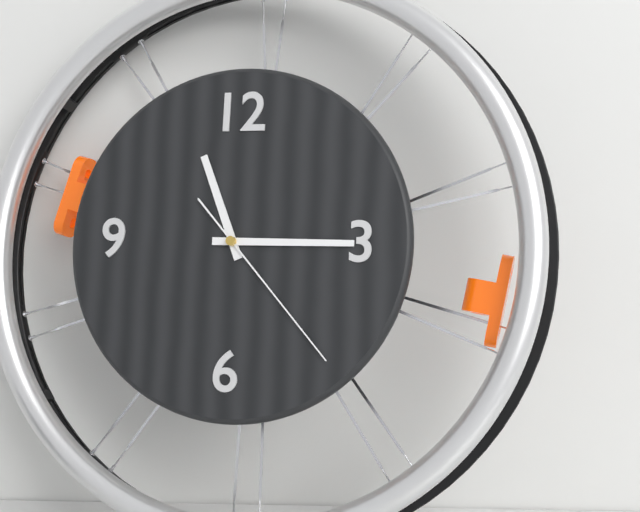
11:15:23
